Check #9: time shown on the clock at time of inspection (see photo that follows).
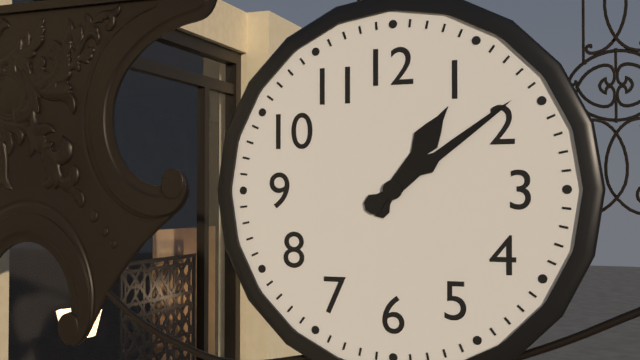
1:09
